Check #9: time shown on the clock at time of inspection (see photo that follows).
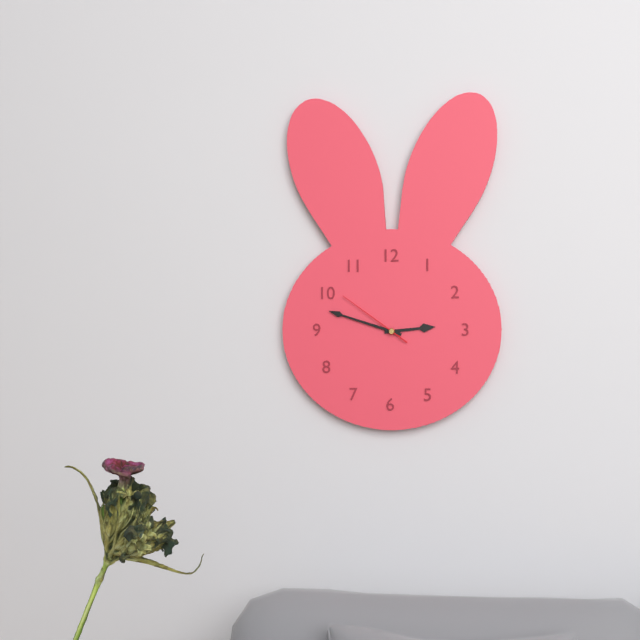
2:48:51
